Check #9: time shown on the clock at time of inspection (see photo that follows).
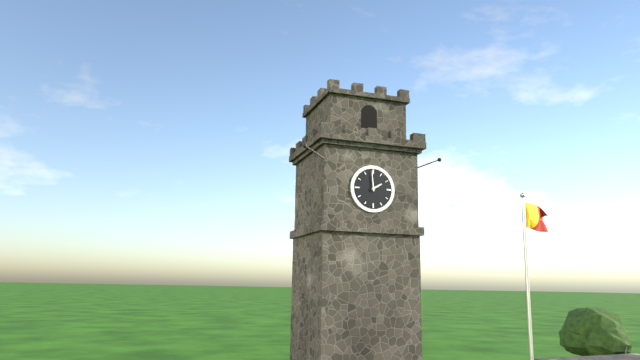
1:59
